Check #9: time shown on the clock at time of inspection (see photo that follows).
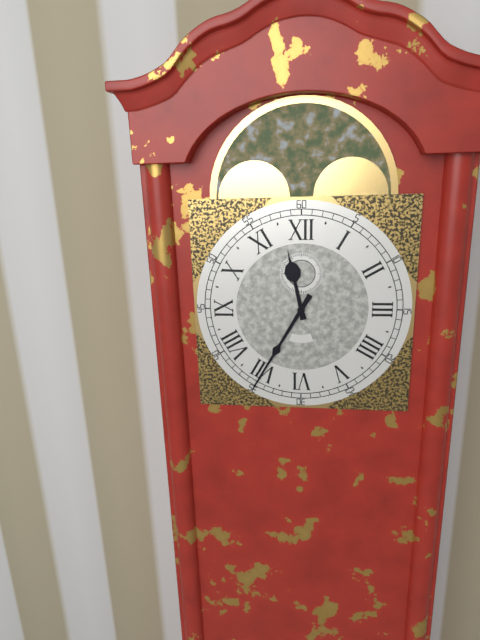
11:35
